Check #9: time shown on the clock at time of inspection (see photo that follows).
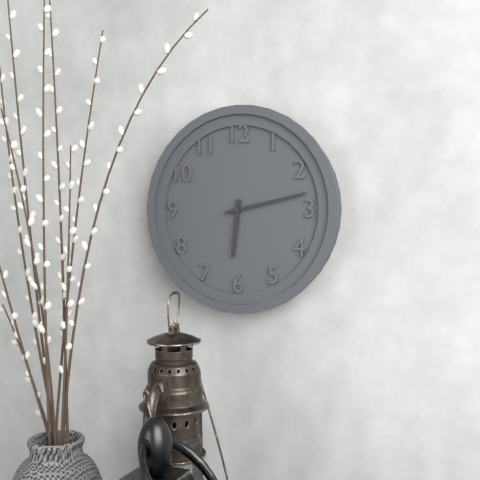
6:13
